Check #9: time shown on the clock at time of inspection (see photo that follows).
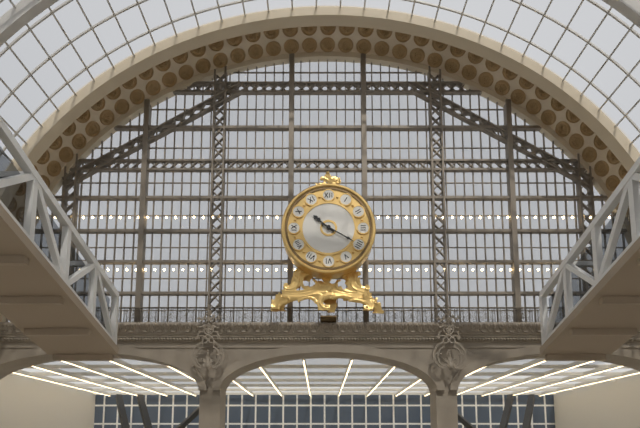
10:20
